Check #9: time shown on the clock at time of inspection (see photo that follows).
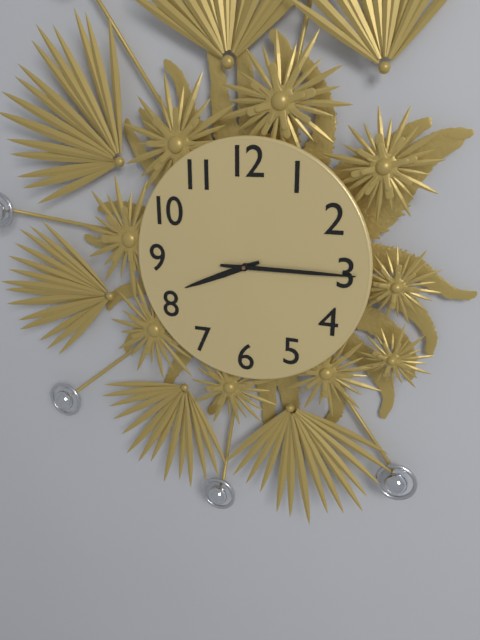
8:15
